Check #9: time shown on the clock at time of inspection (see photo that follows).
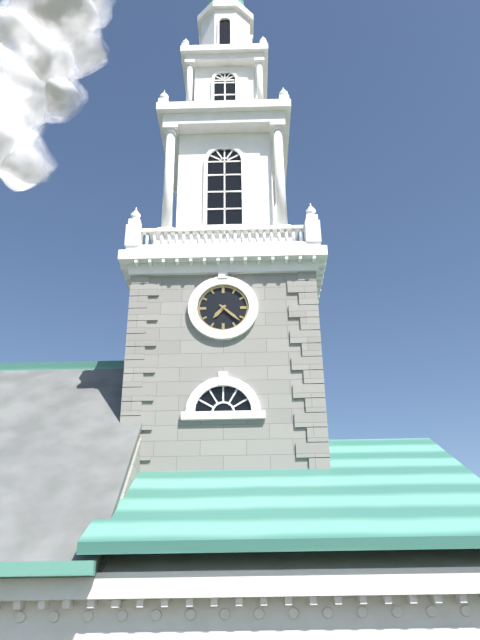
7:22
